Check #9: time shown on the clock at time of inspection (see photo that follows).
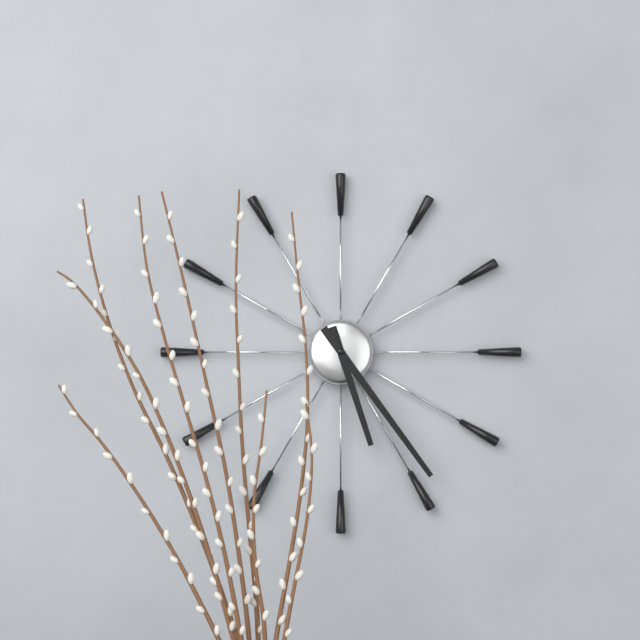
5:24
